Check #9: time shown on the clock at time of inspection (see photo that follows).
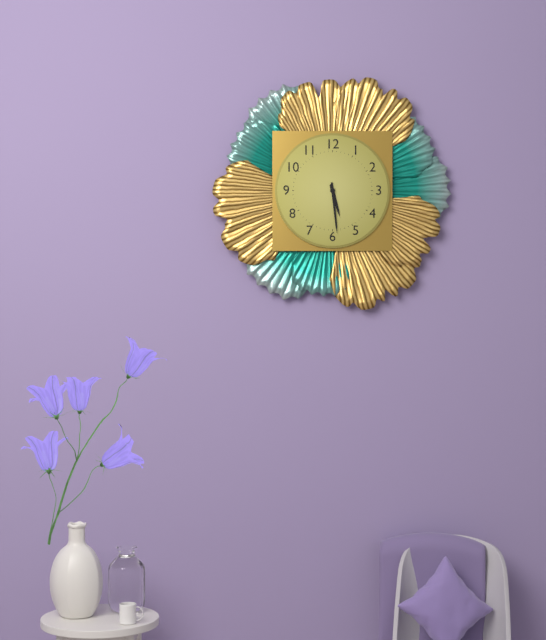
5:29
